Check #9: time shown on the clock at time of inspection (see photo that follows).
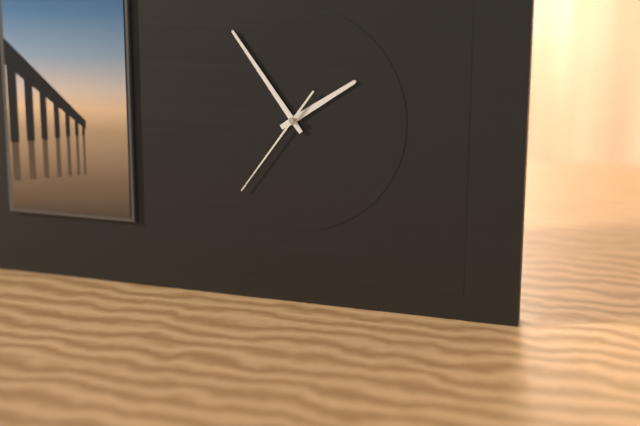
1:54:36
